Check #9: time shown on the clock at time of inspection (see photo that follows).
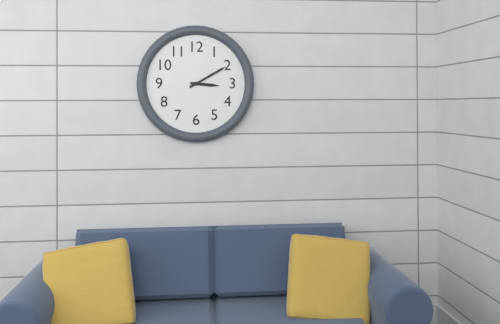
3:10
